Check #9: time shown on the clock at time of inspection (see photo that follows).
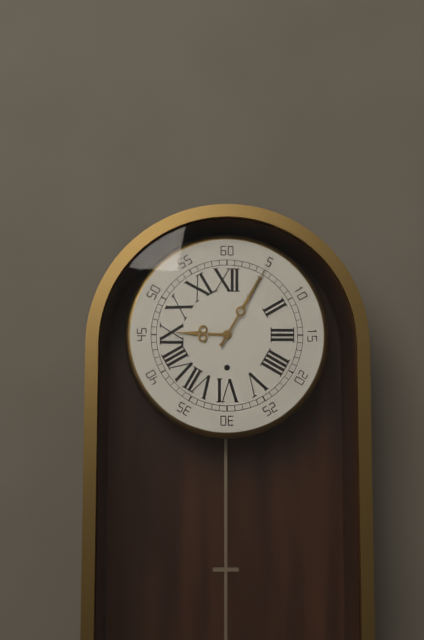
9:05
